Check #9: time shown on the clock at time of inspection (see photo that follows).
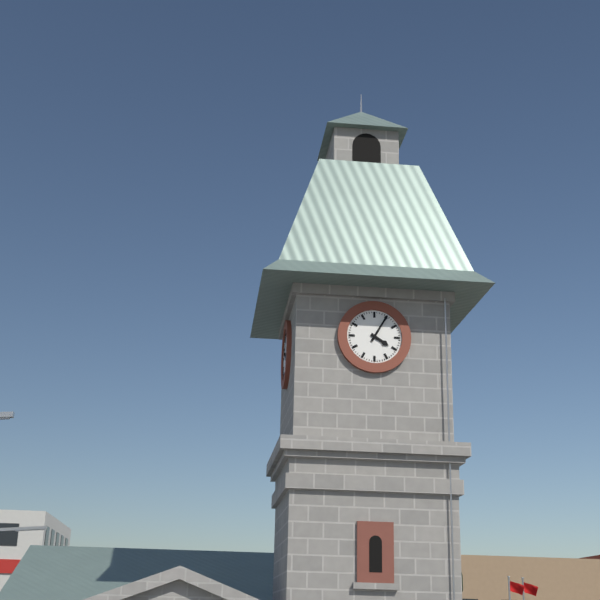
4:05
